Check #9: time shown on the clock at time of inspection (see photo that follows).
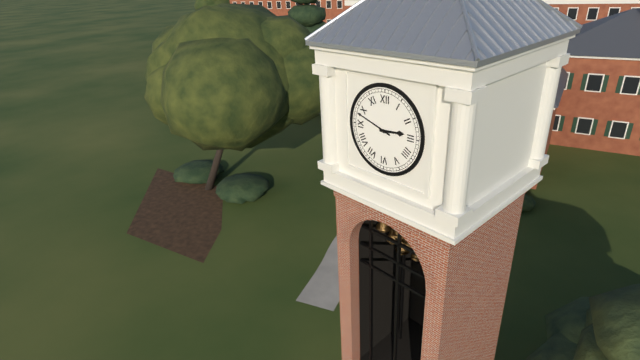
2:48
